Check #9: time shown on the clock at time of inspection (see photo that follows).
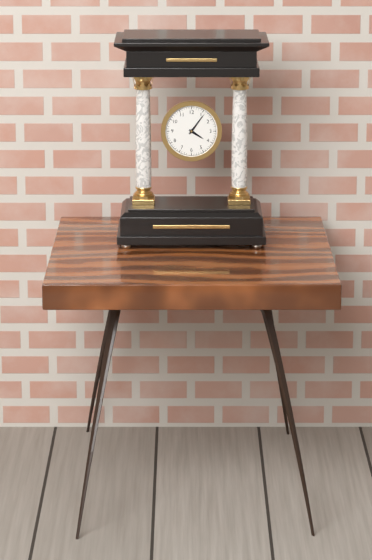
4:06
